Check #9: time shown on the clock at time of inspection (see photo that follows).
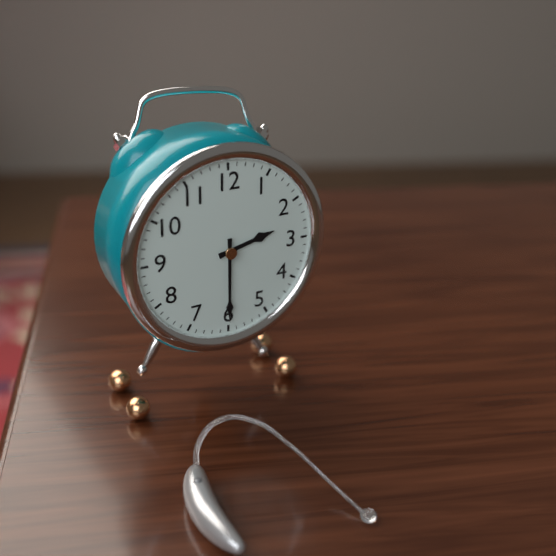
2:30
